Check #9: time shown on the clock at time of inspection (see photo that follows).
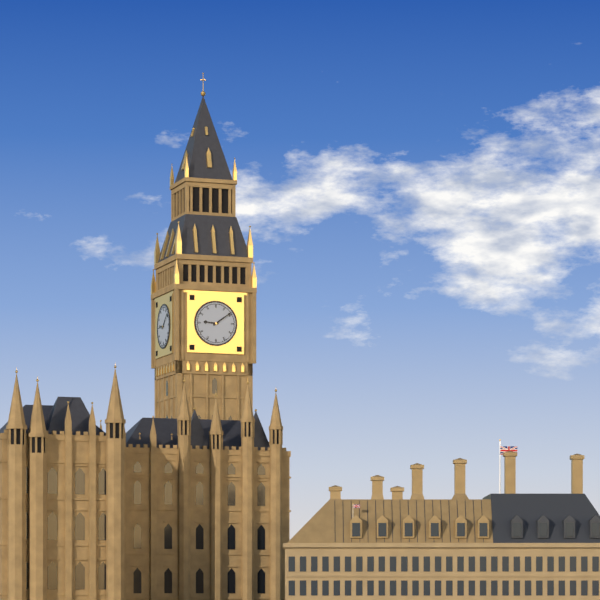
9:09
